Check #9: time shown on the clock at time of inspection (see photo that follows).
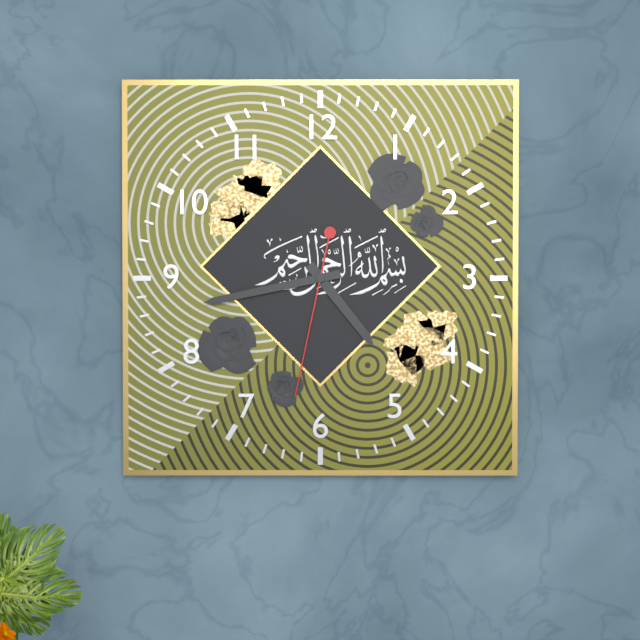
4:43:32
